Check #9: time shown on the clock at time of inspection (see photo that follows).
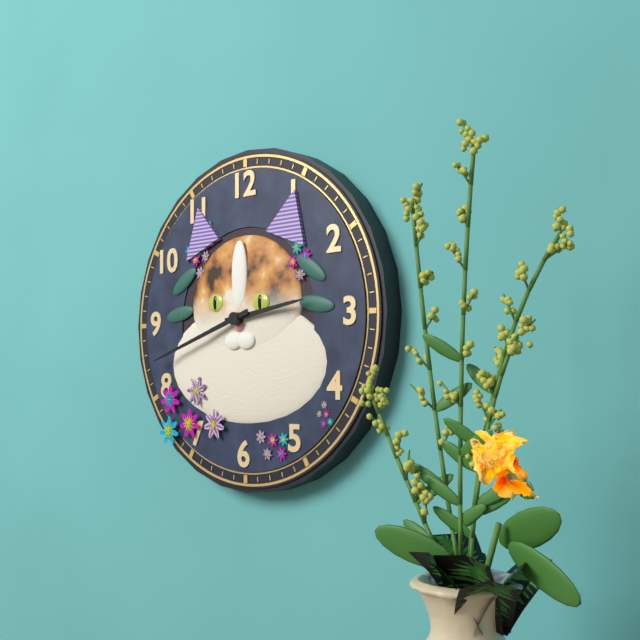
2:42
